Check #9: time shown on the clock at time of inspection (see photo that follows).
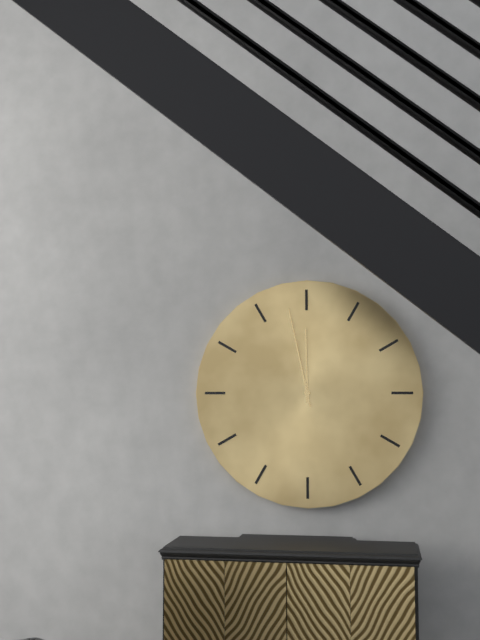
11:58
